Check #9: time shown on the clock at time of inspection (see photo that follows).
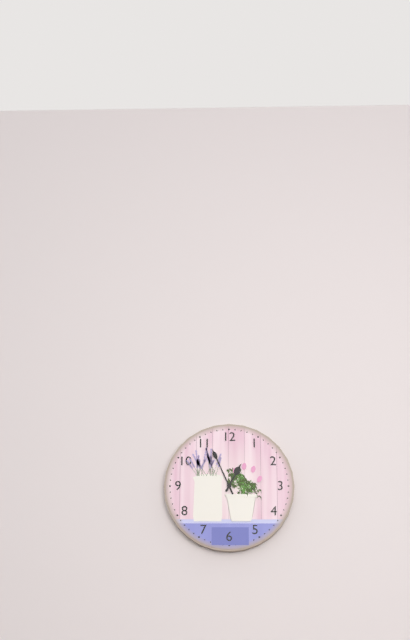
12:56
